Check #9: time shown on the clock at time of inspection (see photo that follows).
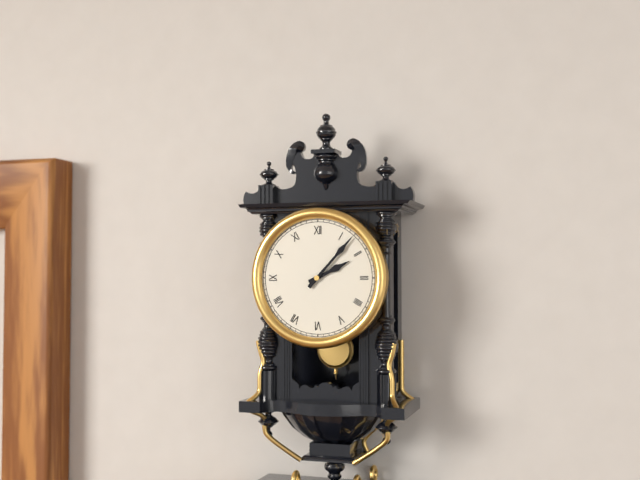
2:07
